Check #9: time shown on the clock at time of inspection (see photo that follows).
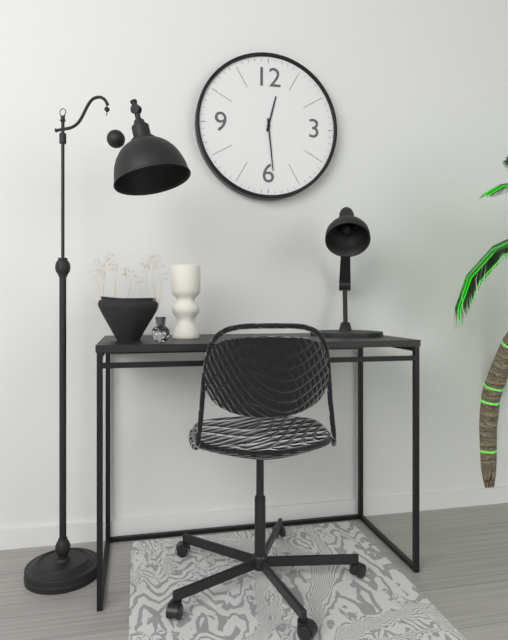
12:29
